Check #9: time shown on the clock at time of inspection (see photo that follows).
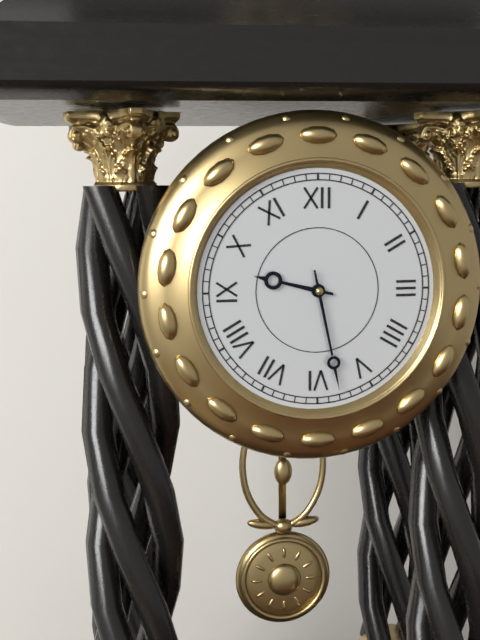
9:28
